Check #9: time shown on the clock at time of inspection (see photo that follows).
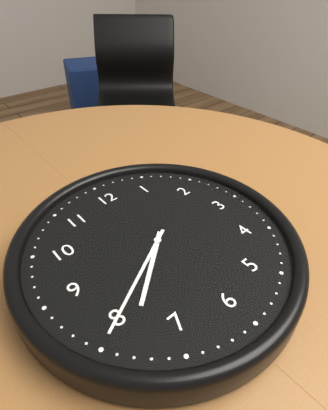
7:40
